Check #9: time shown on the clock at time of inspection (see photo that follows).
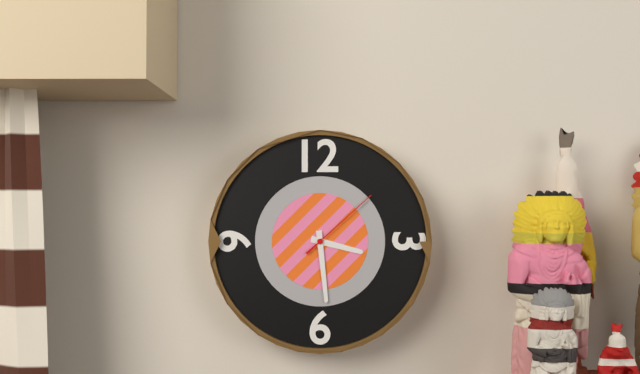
3:29:08
